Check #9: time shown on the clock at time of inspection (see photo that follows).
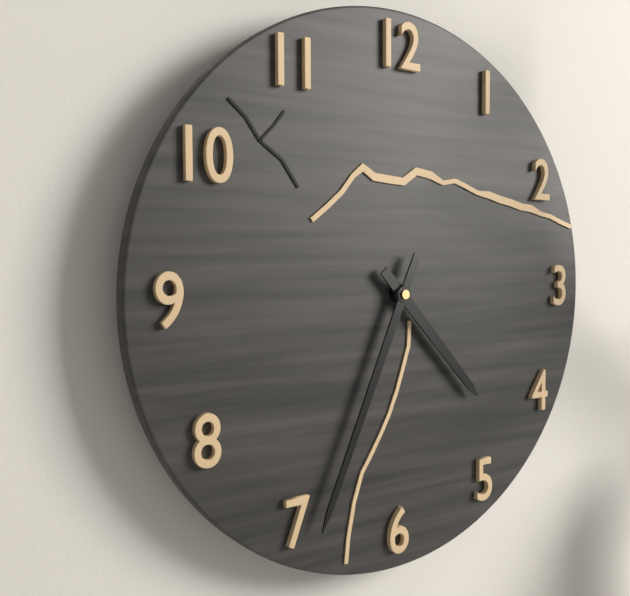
4:34
